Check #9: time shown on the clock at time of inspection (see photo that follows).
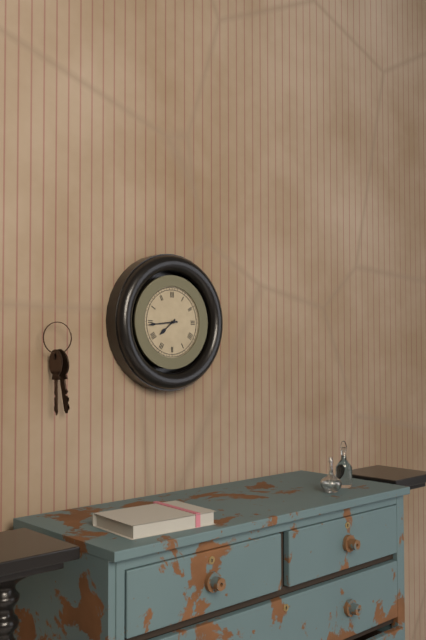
7:44
